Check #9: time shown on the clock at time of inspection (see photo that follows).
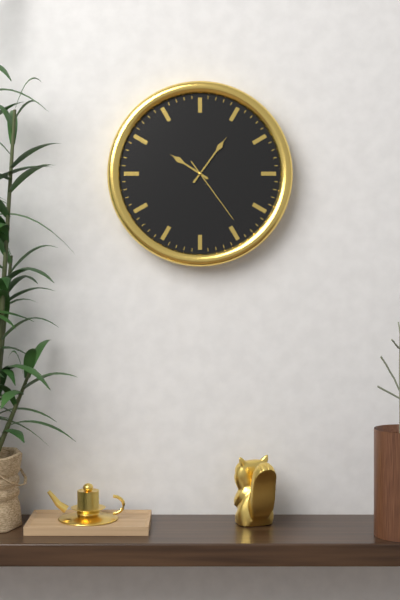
10:06:24
